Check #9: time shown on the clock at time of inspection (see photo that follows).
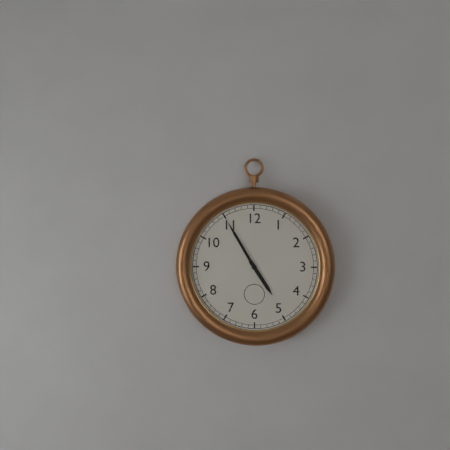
4:55
